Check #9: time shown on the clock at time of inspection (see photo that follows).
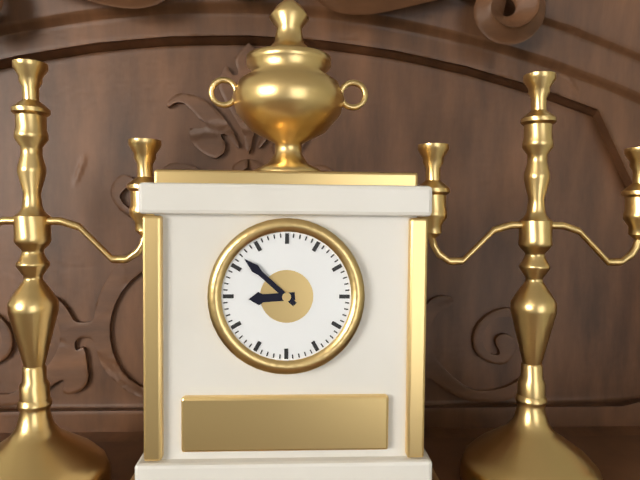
8:52
